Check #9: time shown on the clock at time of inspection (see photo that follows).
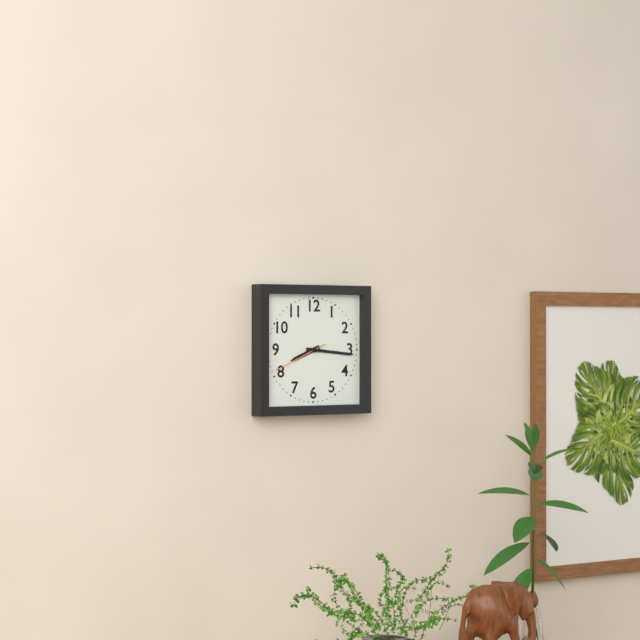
8:16:41
